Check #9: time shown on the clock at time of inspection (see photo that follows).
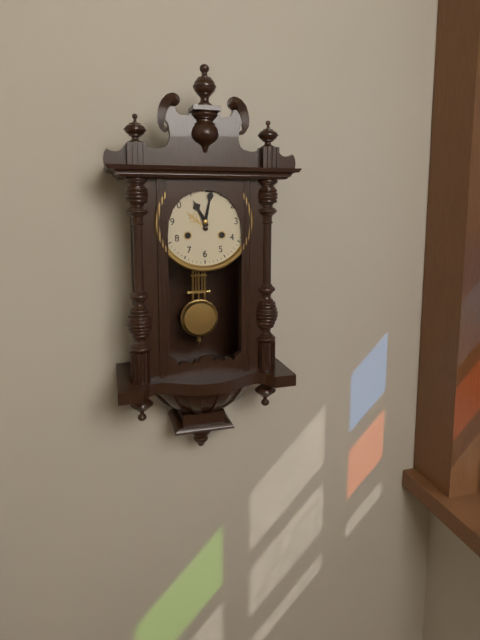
11:02
